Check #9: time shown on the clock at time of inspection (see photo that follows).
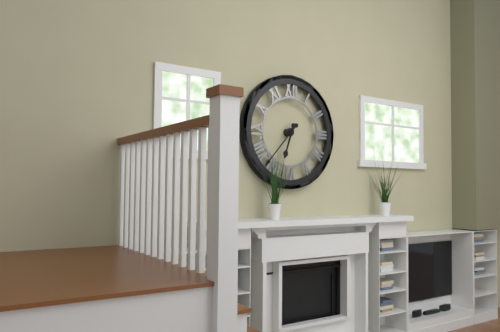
6:37
